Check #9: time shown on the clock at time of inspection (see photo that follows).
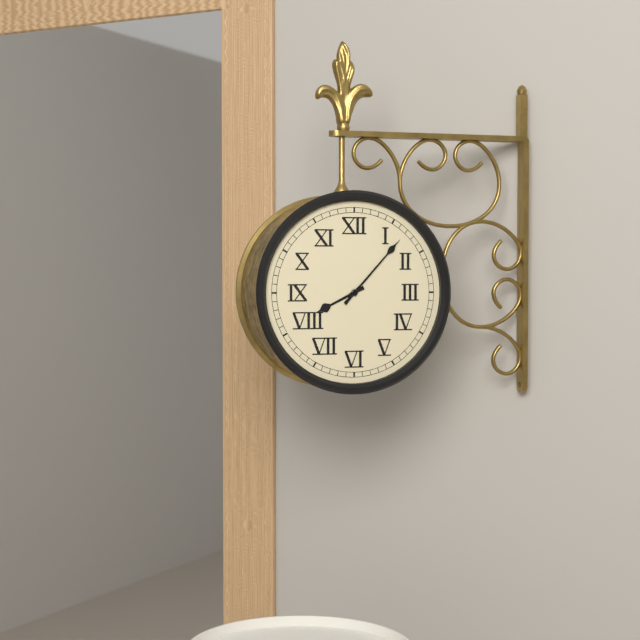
8:07
